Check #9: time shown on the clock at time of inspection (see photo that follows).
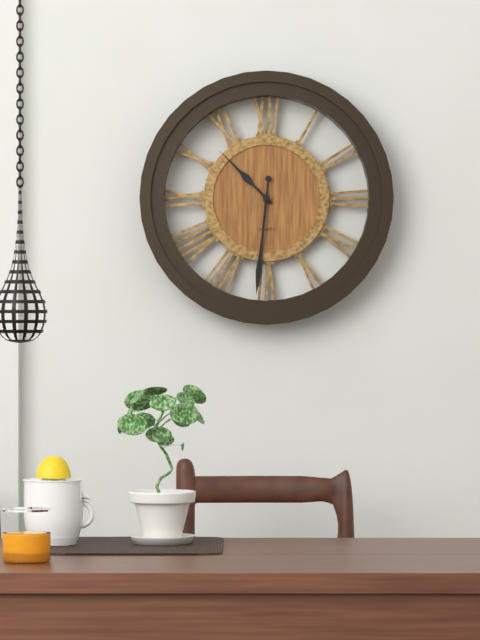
10:31
